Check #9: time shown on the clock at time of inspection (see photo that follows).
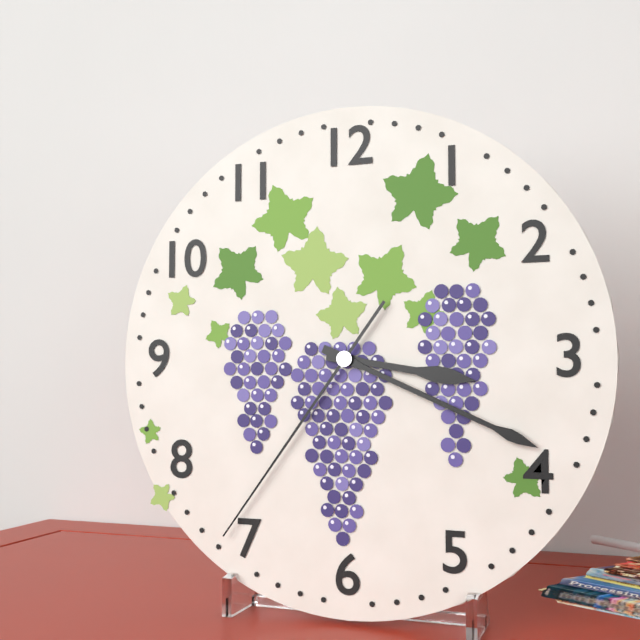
3:19:36
